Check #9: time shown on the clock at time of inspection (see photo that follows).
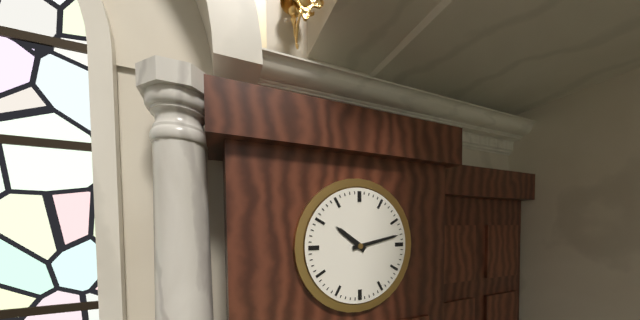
10:13
